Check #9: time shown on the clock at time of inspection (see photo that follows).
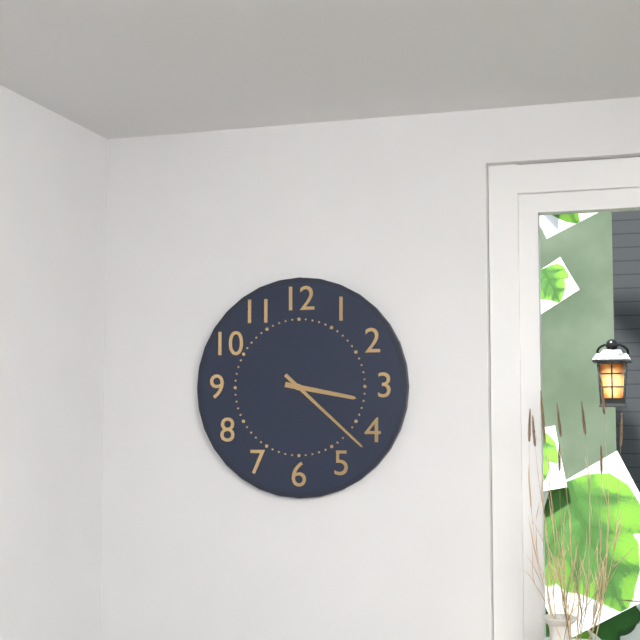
3:22
